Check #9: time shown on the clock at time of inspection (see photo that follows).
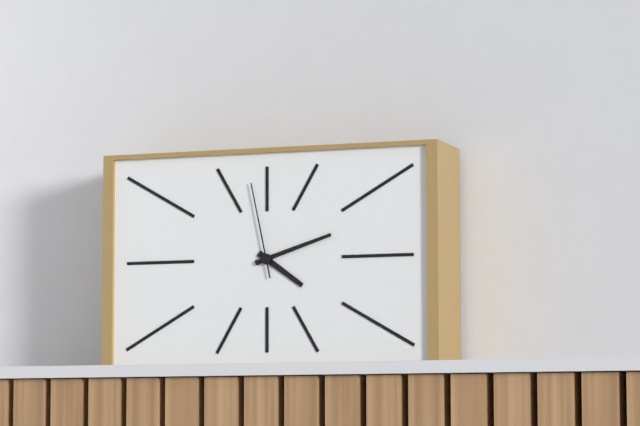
4:12:58
